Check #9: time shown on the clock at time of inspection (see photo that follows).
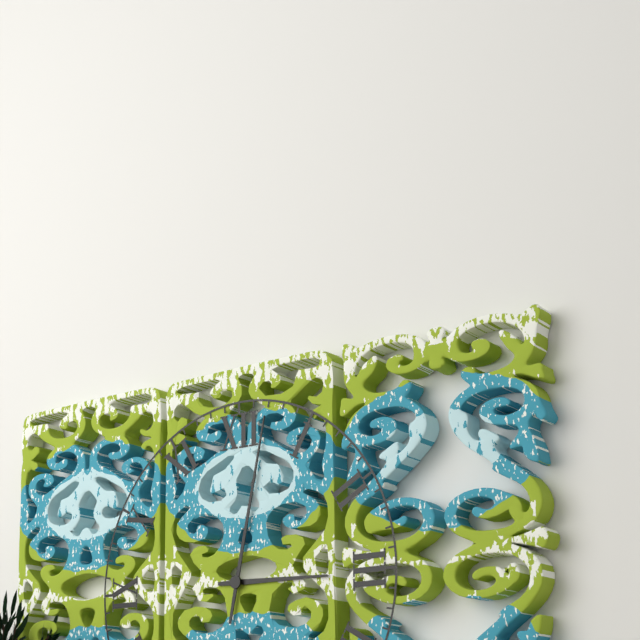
3:02
